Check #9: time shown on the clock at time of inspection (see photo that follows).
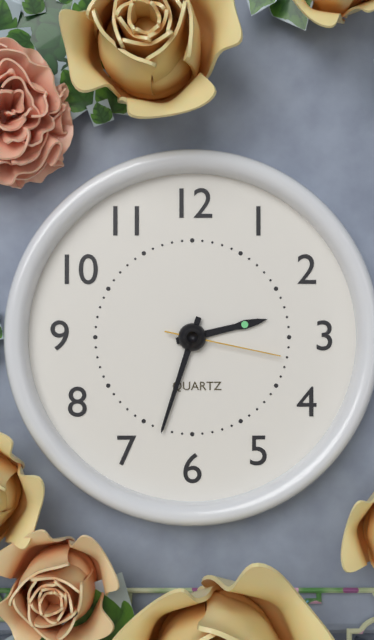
2:33:17
